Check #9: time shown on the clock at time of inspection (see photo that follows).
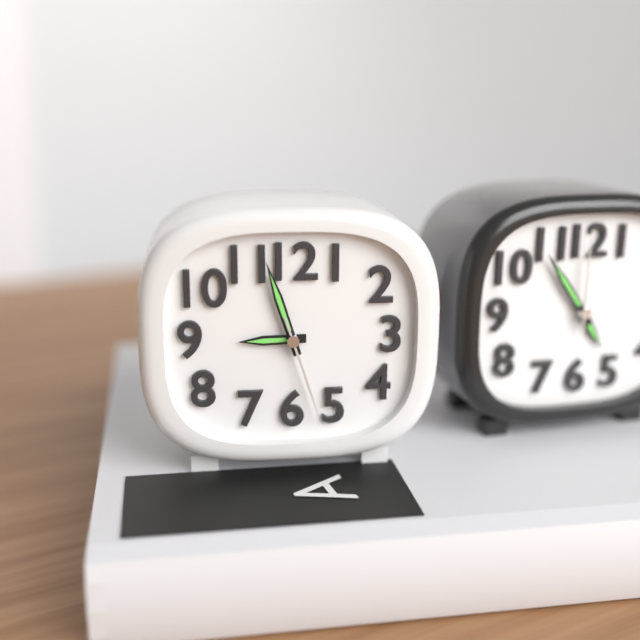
8:57:27
